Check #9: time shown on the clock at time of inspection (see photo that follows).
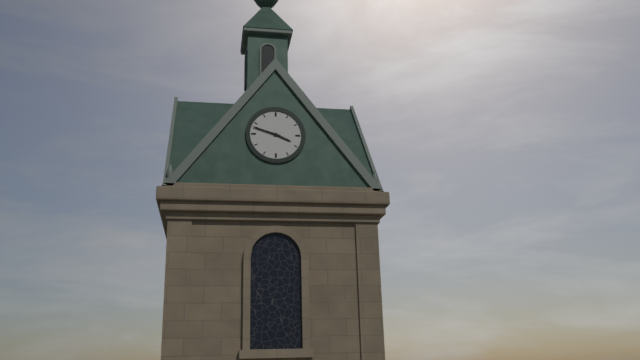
3:48
